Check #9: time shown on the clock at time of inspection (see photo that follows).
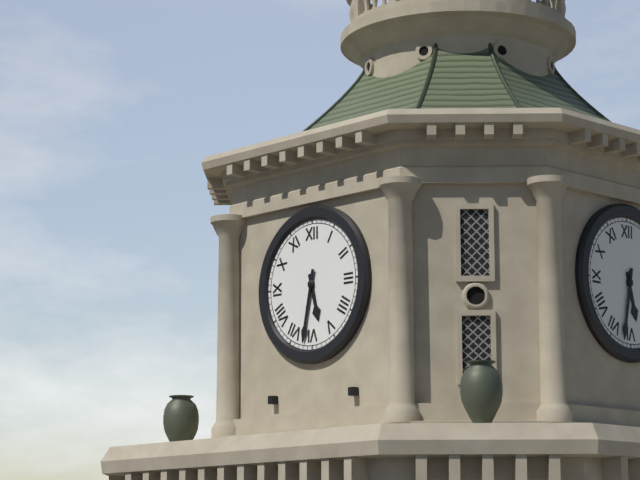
5:32
